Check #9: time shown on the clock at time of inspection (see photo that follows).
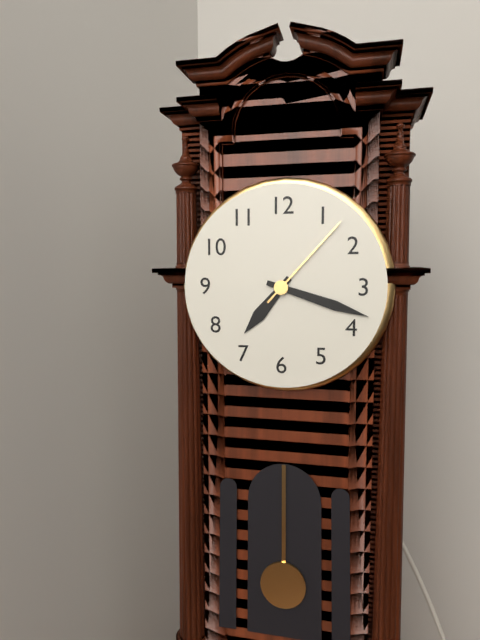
7:18:07
